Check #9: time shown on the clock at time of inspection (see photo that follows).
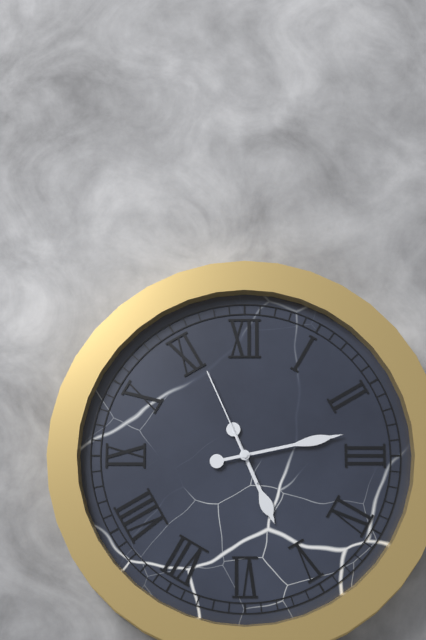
5:13:56
